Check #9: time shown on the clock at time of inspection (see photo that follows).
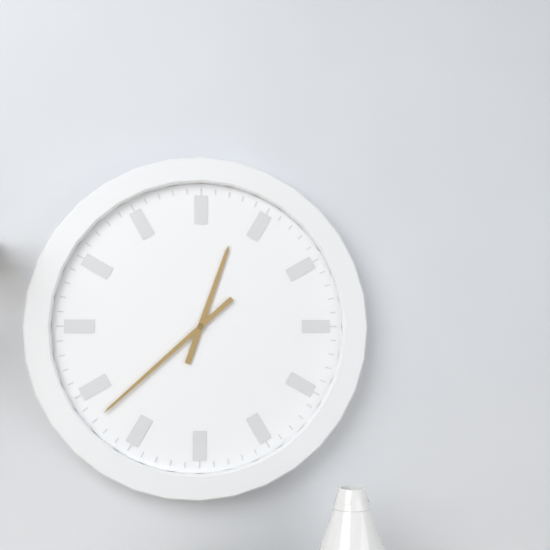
12:38
